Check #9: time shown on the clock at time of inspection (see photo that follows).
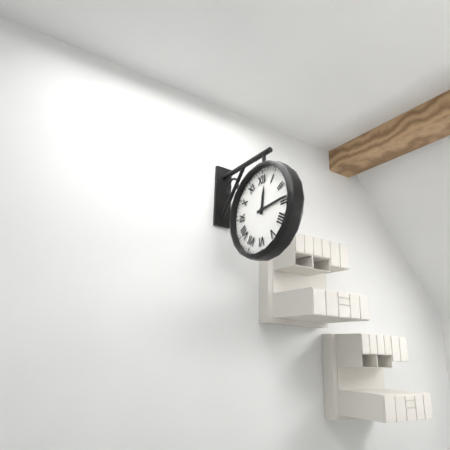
12:14
